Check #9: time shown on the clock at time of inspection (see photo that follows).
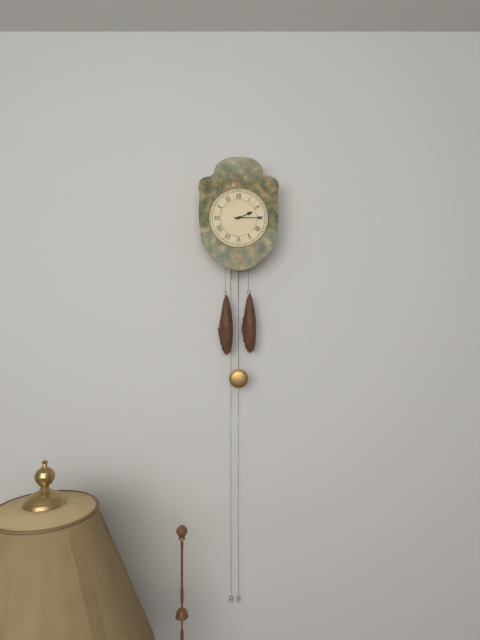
2:15
